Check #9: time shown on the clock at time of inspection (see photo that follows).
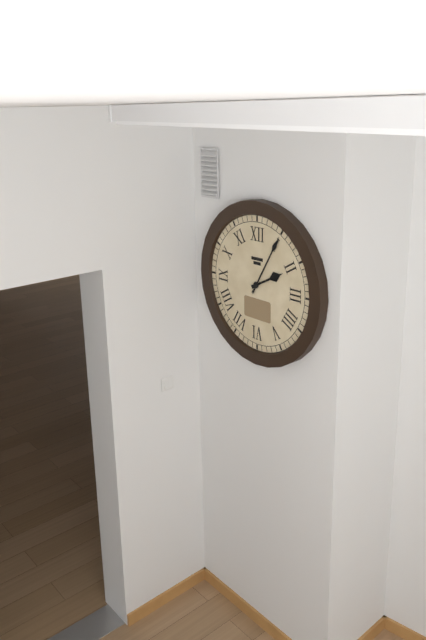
2:05
